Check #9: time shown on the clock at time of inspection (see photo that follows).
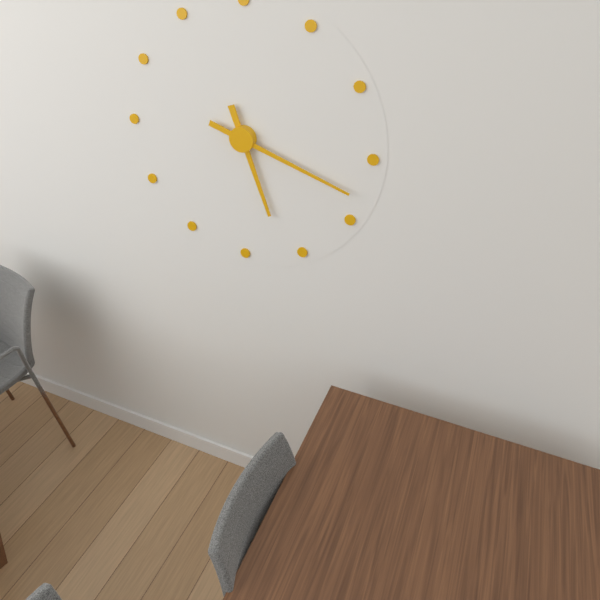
5:18
